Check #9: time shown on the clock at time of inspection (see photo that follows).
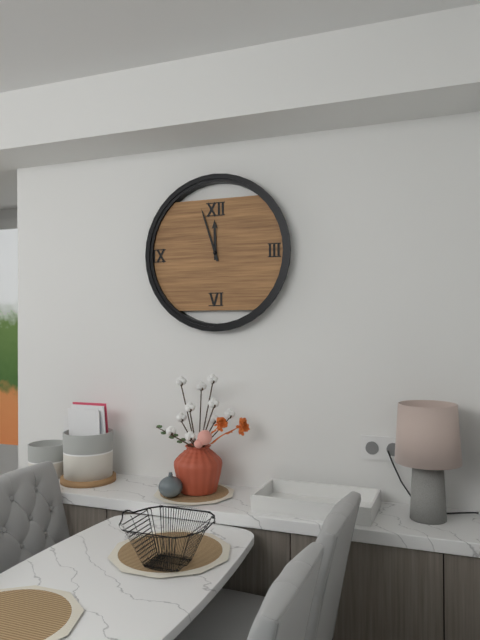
11:57
